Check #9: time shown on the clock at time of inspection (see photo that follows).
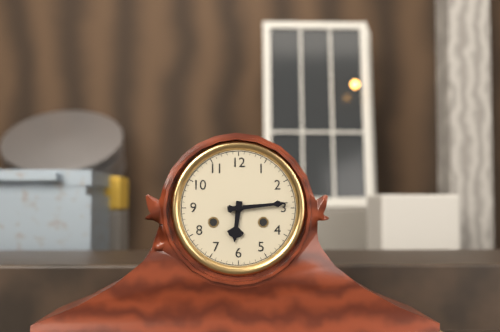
6:14
